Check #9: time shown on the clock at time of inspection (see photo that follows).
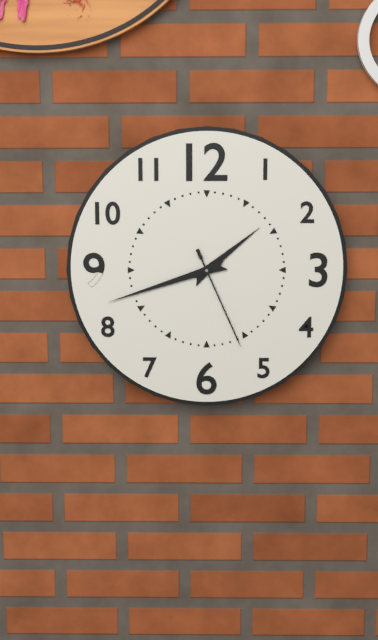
1:42:26
